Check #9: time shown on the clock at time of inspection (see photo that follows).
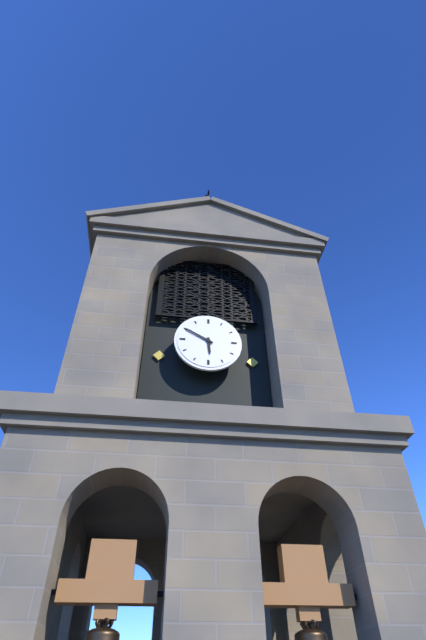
5:50
